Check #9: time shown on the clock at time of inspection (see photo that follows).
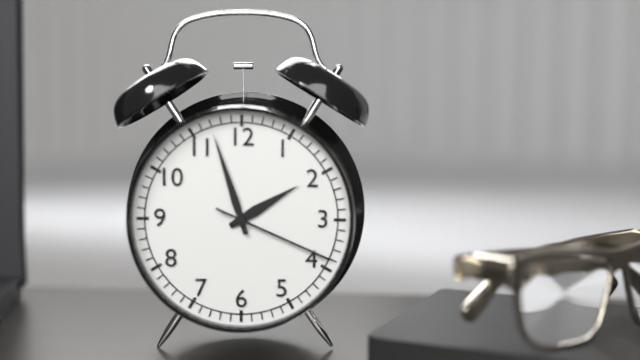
1:57:19
